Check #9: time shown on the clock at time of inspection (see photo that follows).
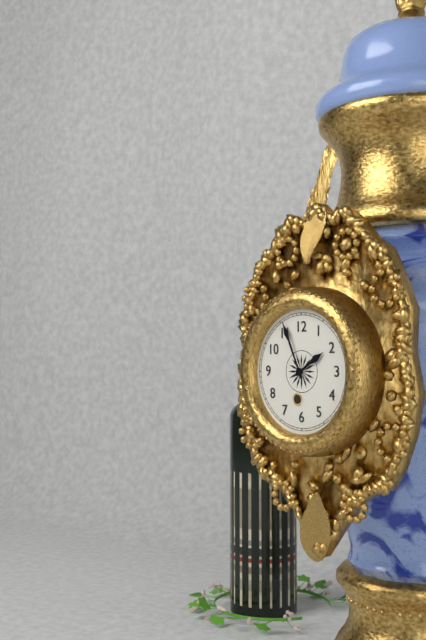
1:56
